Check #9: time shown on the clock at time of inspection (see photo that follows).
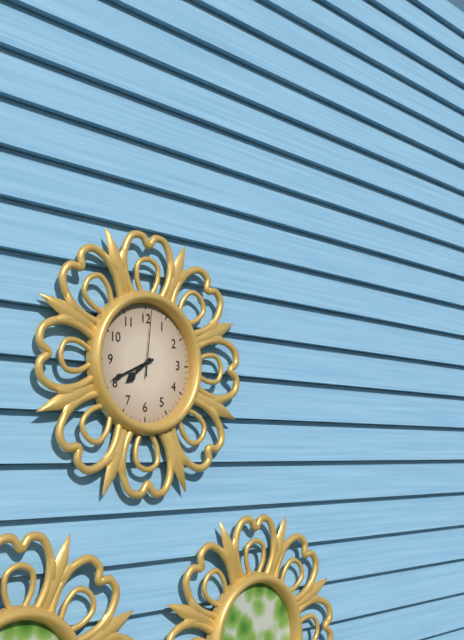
7:41:01
